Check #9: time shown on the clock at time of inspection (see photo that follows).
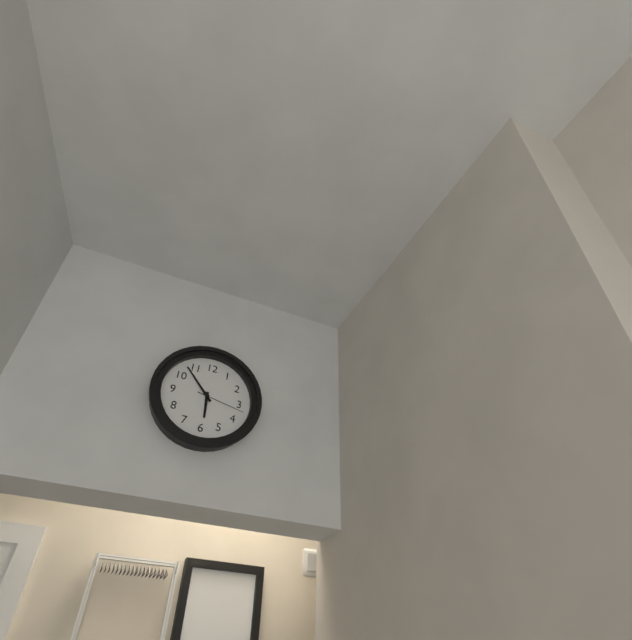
5:53
